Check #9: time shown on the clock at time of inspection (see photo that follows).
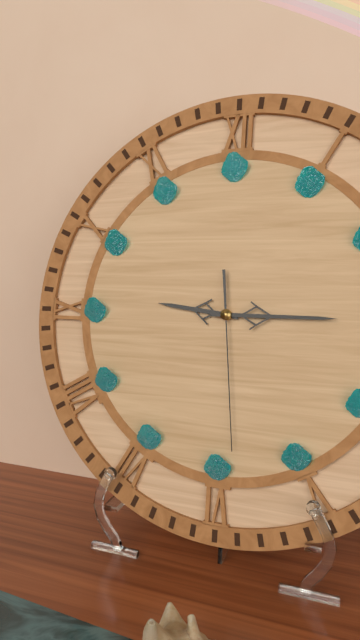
9:15:29
